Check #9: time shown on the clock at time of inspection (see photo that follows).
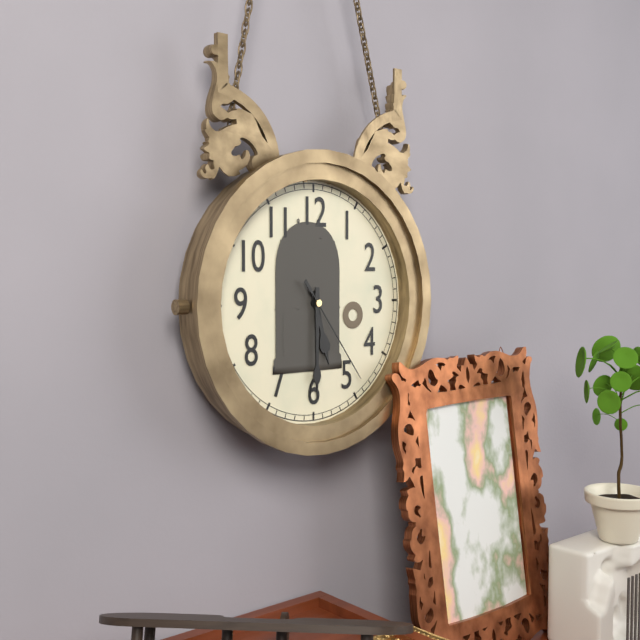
5:30:24
